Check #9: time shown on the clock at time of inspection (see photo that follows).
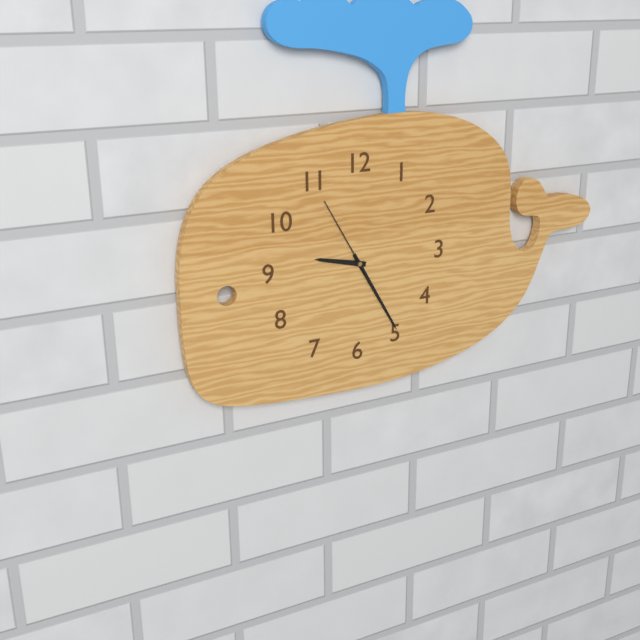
9:25:55
